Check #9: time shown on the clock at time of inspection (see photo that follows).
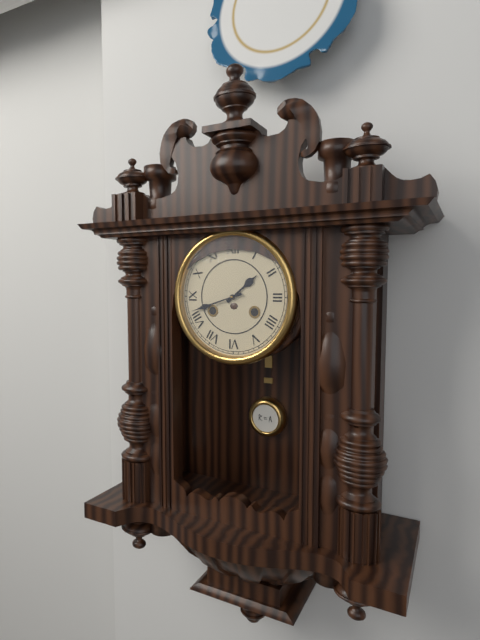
1:42
